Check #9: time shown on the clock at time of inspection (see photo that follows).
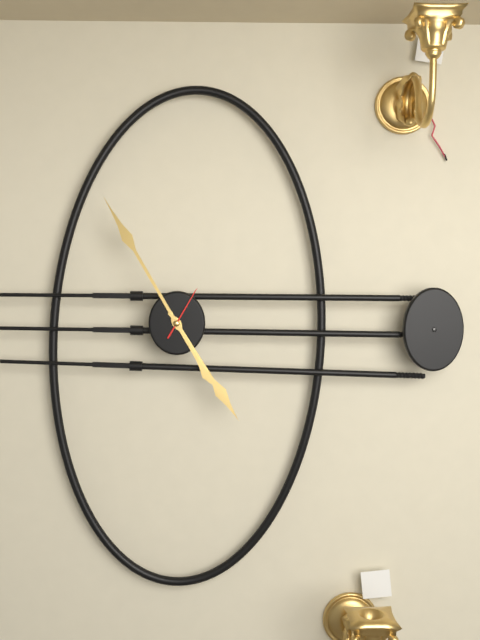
4:55:05
